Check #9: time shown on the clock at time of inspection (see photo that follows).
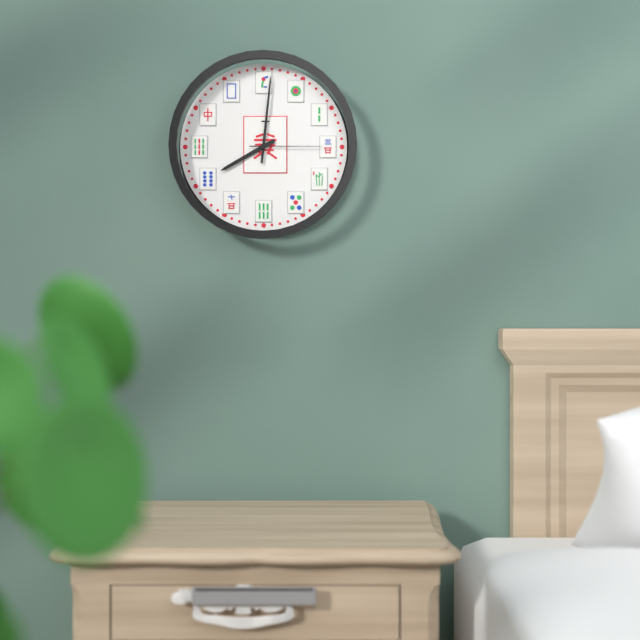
8:01:15
